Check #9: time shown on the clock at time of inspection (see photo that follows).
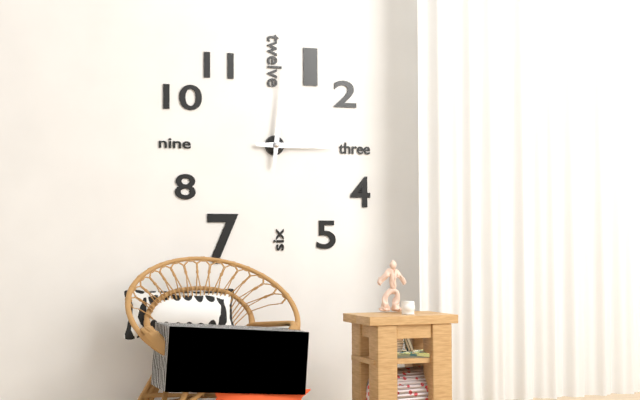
3:01
